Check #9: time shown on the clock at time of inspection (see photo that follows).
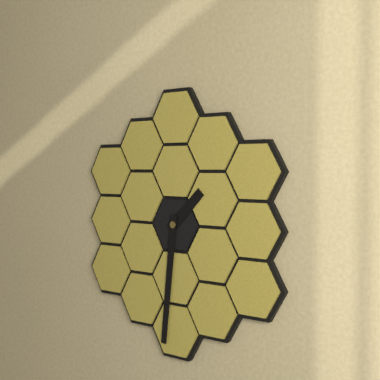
1:31
